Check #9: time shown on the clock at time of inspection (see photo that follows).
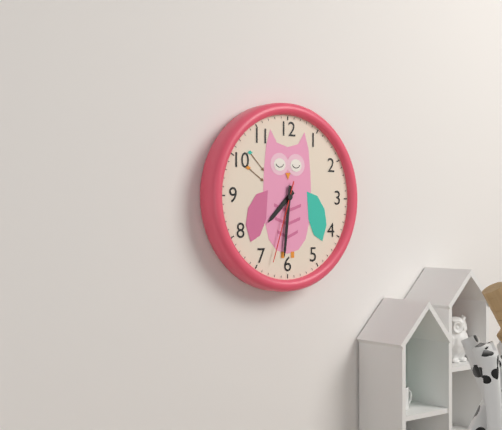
7:31:33
